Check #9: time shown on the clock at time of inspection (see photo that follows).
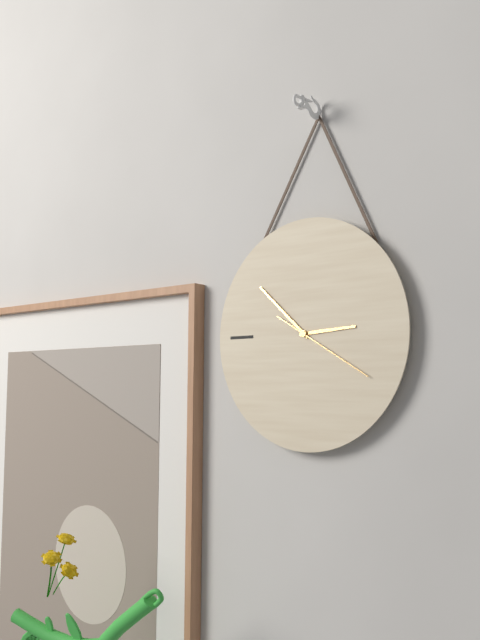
2:52:20
